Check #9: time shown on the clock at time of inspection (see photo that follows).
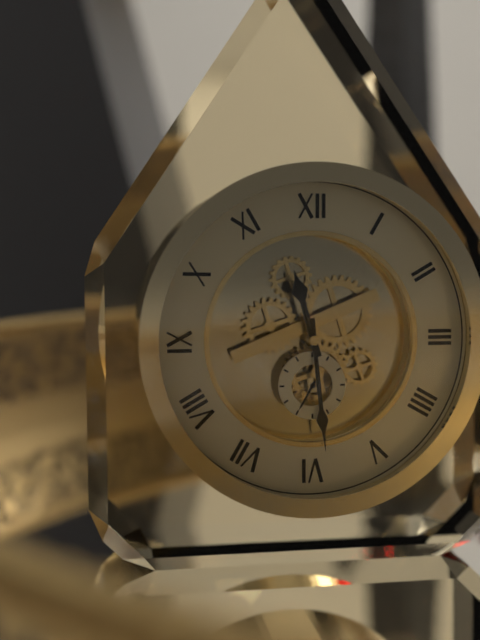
11:29
